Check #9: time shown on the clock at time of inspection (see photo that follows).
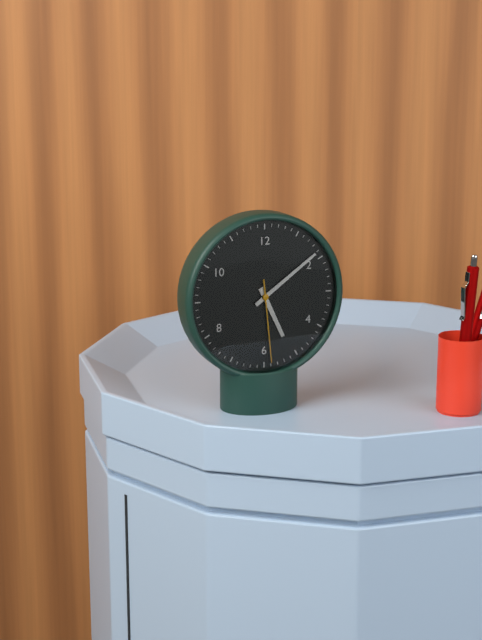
5:09:29
